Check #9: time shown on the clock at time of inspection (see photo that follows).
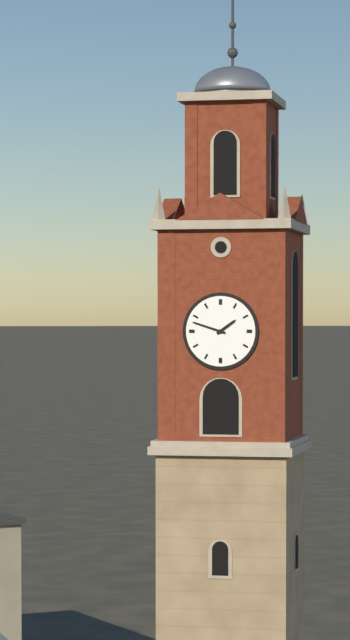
1:48
